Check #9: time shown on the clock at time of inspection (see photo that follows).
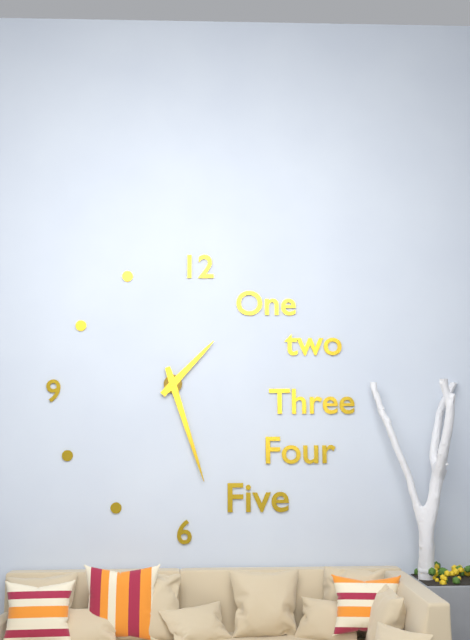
1:27
